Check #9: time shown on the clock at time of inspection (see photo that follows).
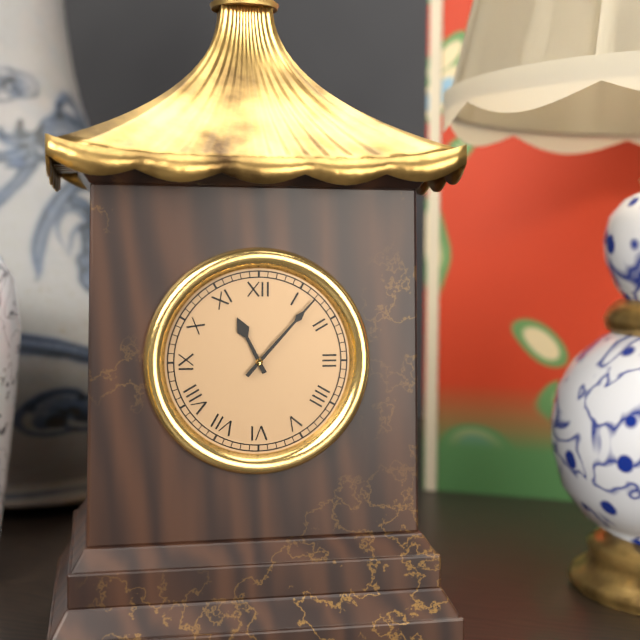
11:07
